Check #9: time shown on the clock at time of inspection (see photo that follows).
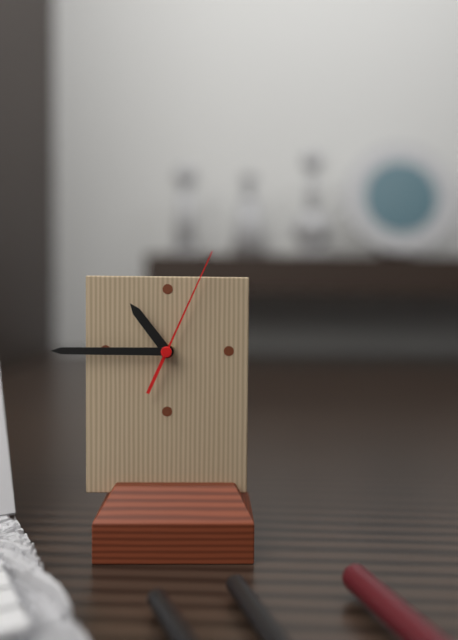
10:45:04
